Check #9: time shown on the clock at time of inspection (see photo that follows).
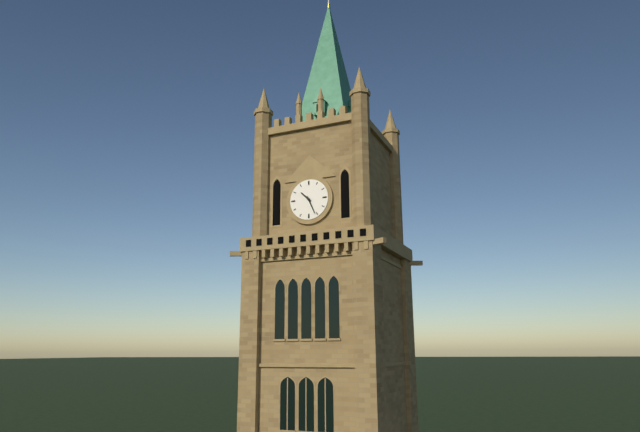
10:26
